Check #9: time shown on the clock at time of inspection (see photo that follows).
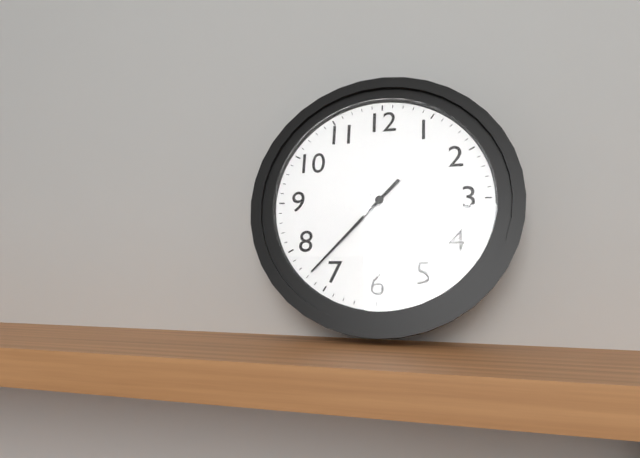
4:37
